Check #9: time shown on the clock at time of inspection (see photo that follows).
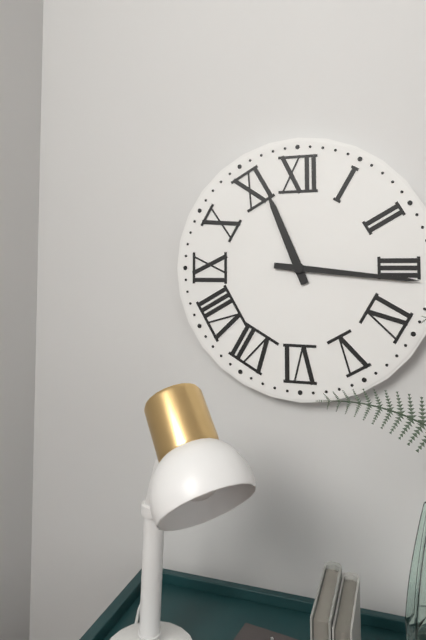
11:16
